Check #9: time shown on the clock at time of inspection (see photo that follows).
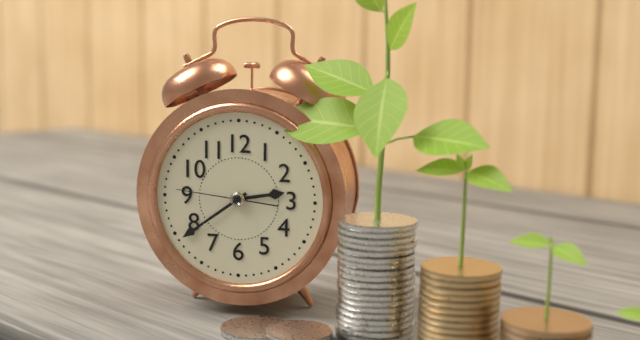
2:39:46
